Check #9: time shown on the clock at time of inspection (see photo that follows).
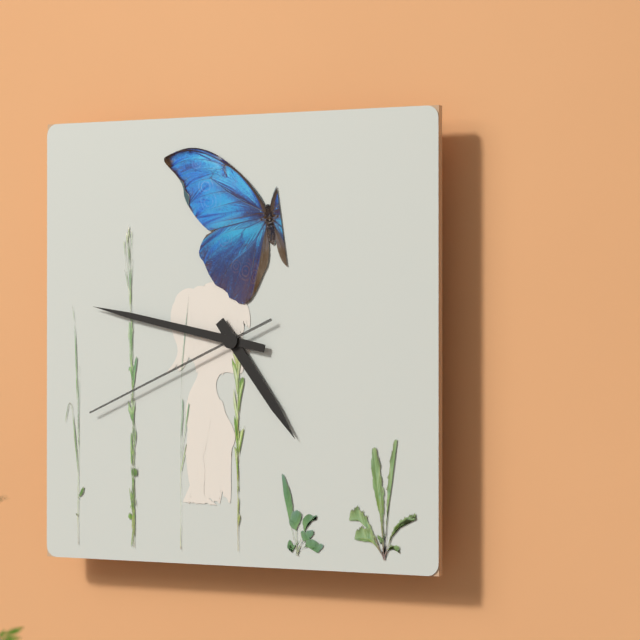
4:47:41
